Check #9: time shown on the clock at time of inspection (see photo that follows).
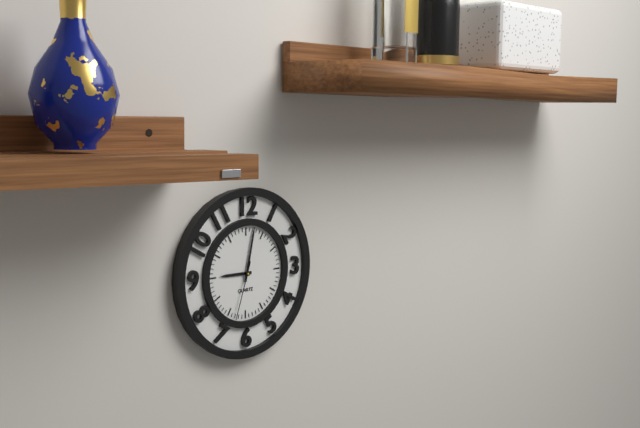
9:02:33
